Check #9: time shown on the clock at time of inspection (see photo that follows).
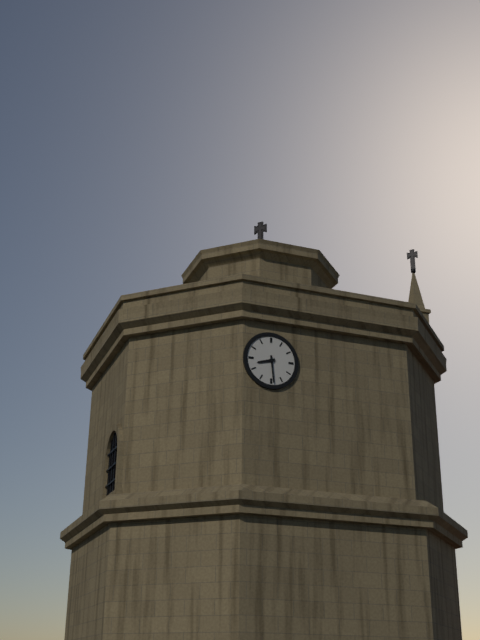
8:29
